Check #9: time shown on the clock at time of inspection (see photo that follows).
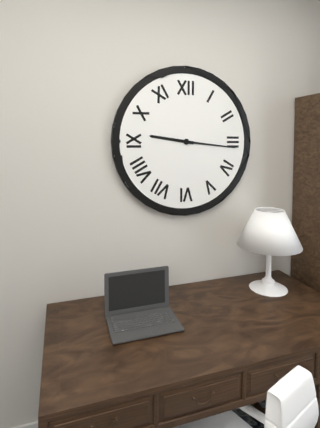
9:16
